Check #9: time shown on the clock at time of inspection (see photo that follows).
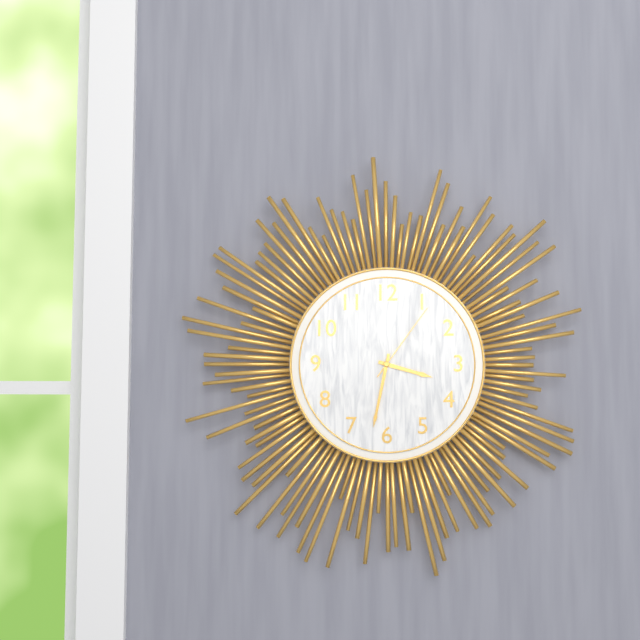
3:32:06
